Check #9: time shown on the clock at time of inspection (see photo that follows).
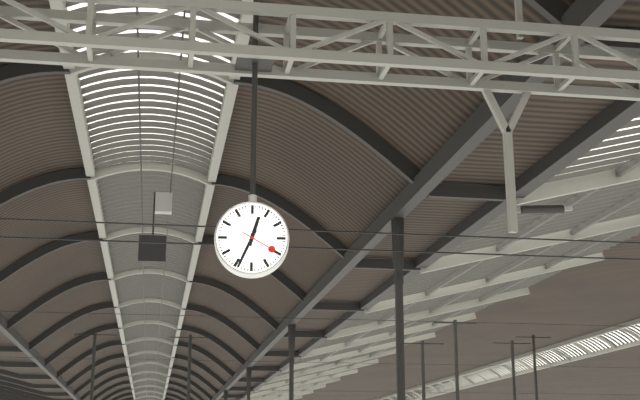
12:34
